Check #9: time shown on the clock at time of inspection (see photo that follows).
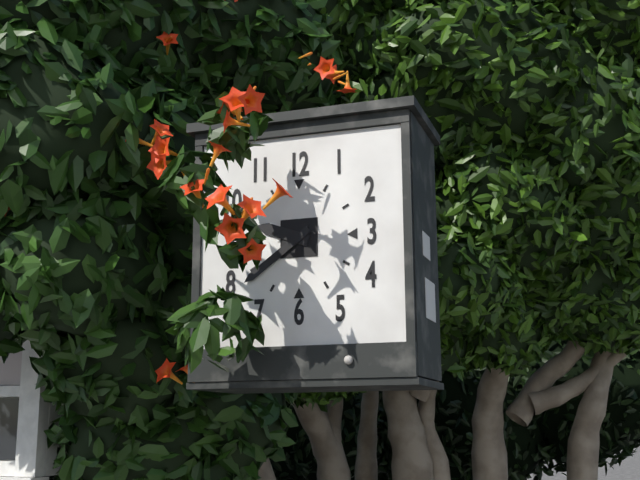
9:39
